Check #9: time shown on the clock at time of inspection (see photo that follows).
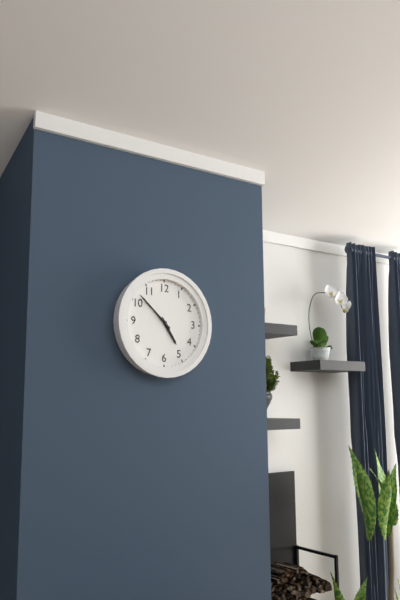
4:52
